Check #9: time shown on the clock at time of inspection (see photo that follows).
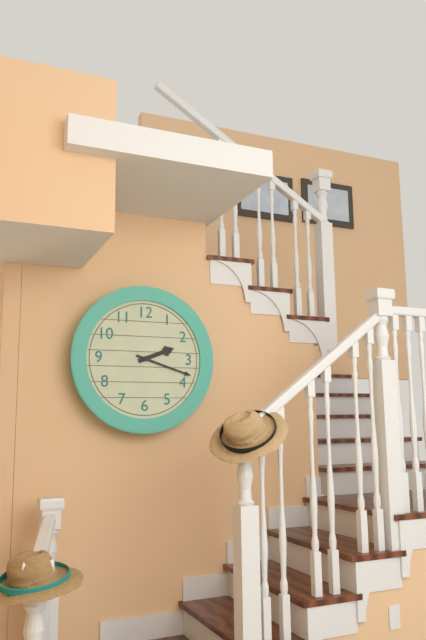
2:18
